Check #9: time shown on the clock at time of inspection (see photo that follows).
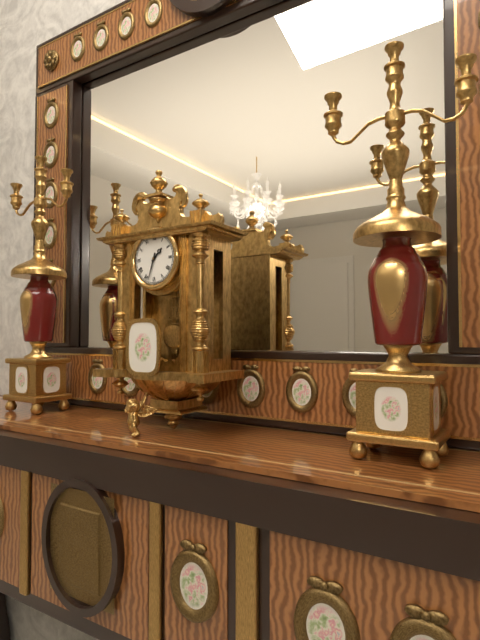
1:33
